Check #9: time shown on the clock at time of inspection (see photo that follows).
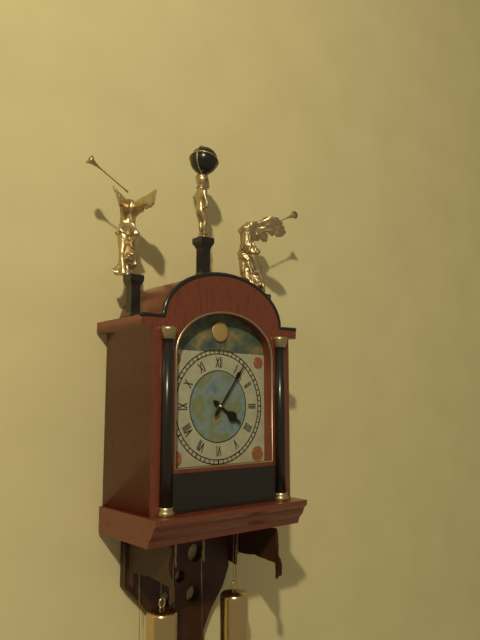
4:06
